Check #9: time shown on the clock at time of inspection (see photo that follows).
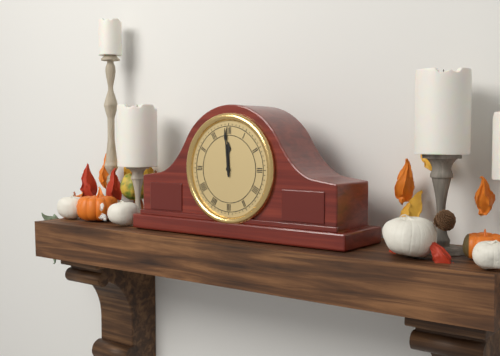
11:59
